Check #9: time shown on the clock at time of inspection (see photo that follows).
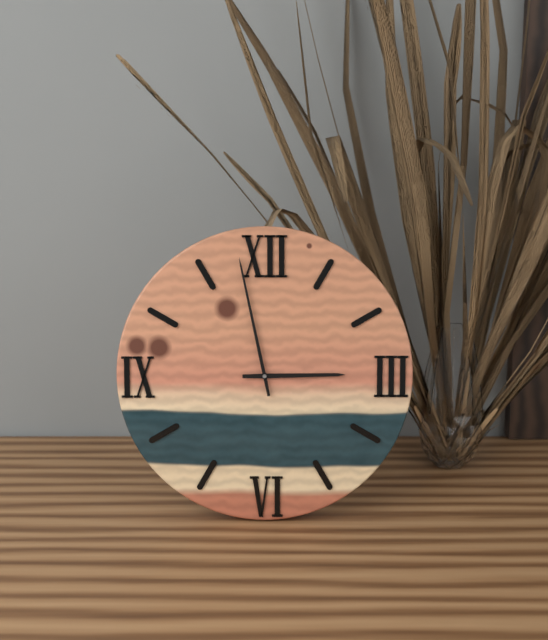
2:58
